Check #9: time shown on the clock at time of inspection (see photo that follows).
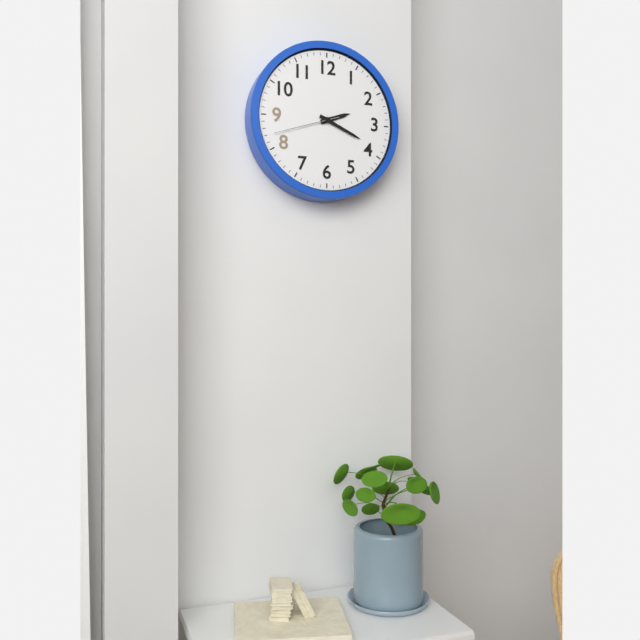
2:19:42
